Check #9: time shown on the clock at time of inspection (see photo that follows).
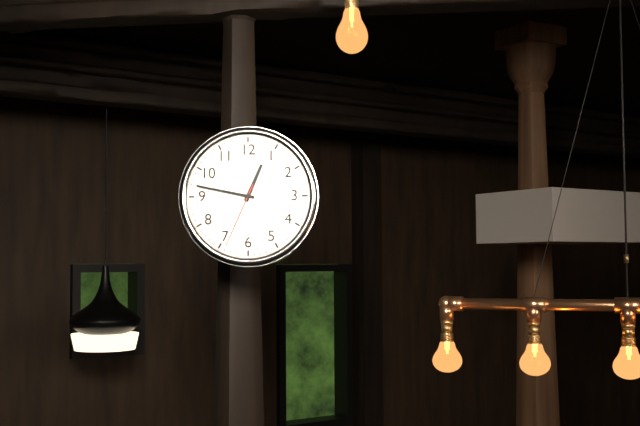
12:47:34
